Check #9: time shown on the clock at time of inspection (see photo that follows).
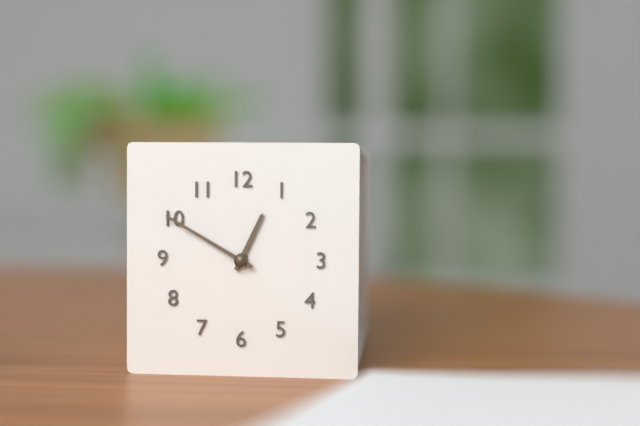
12:50
